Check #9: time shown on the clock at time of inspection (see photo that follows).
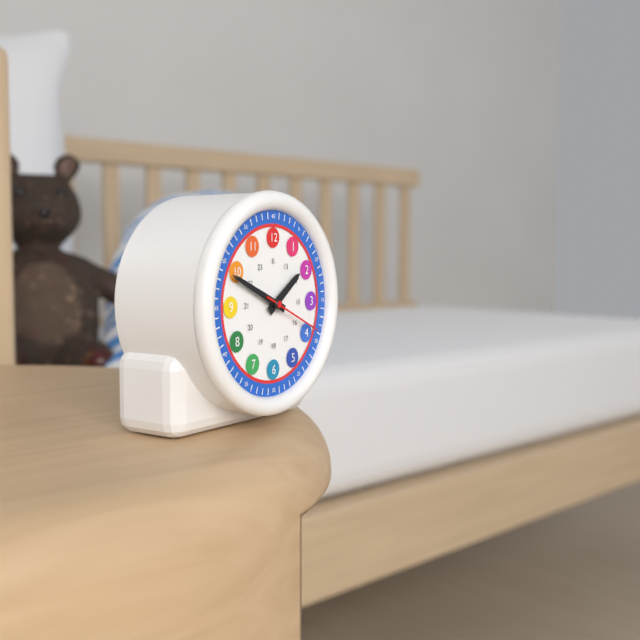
1:49:19
